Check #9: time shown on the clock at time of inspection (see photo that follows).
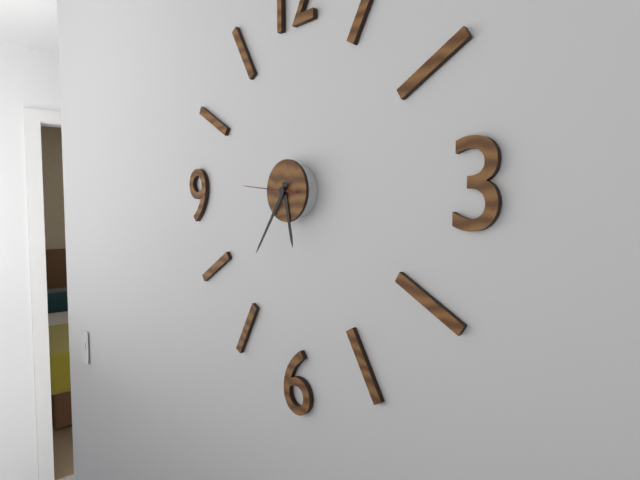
5:36:46
